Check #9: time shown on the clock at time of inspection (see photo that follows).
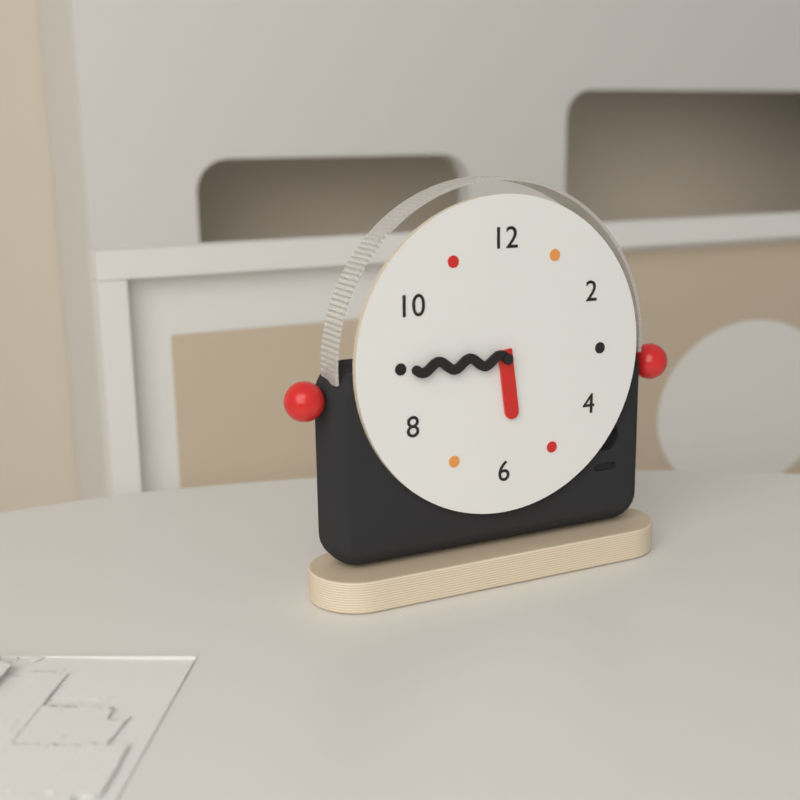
5:45
